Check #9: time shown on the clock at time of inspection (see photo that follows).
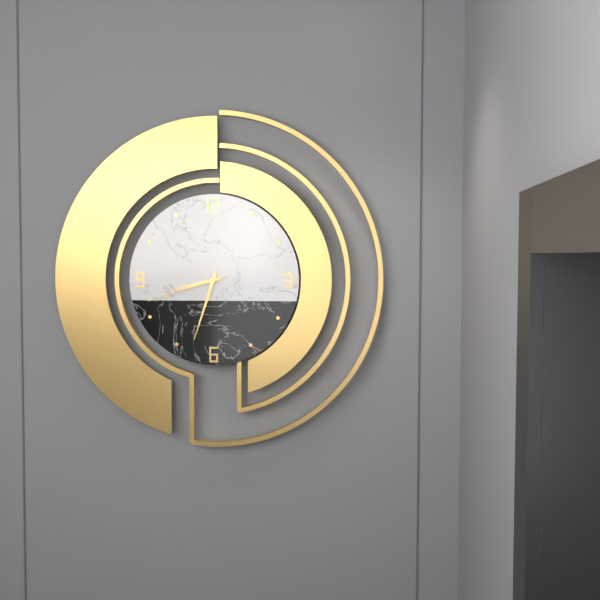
8:33:42
